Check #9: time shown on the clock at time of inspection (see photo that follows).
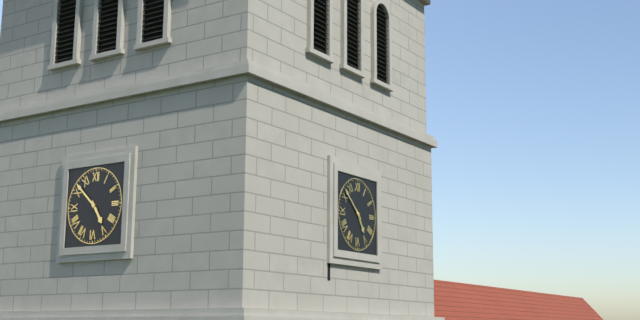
4:52
